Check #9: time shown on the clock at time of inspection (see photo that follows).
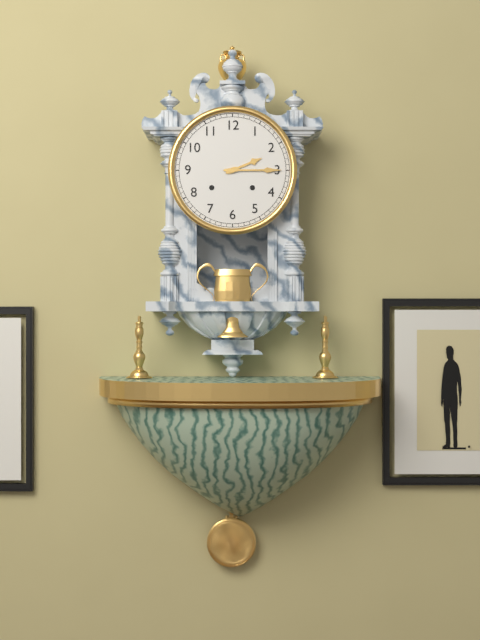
2:15
